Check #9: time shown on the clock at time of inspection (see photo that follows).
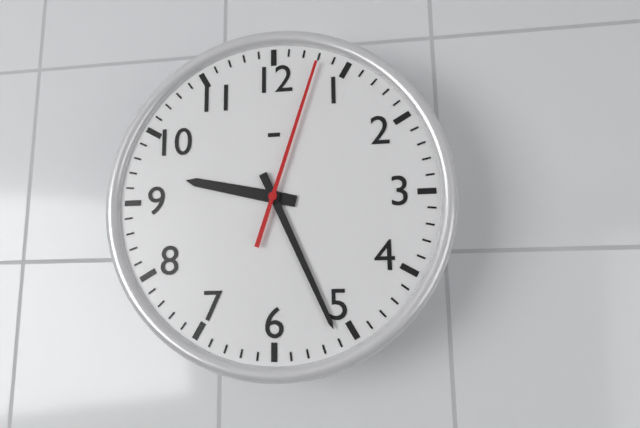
9:26:03
